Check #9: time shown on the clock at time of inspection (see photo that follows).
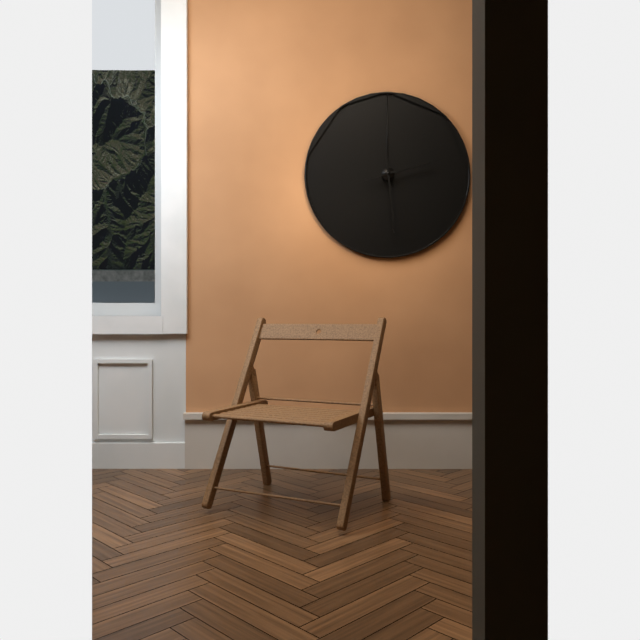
2:29
